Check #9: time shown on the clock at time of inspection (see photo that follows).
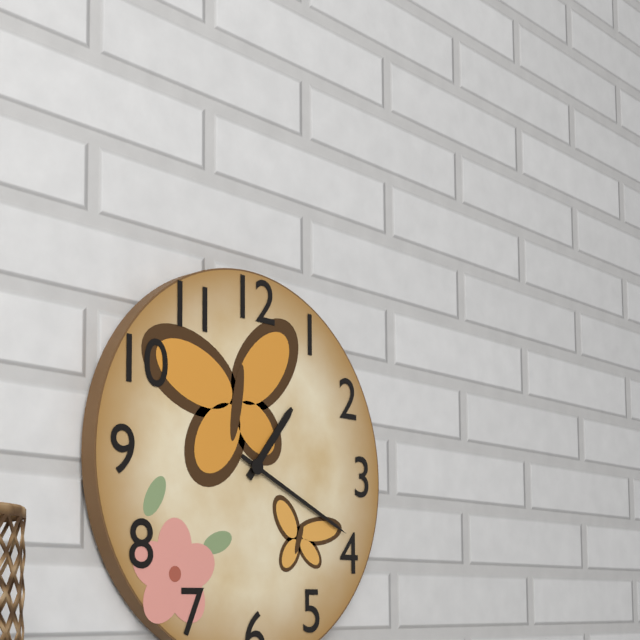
1:19
